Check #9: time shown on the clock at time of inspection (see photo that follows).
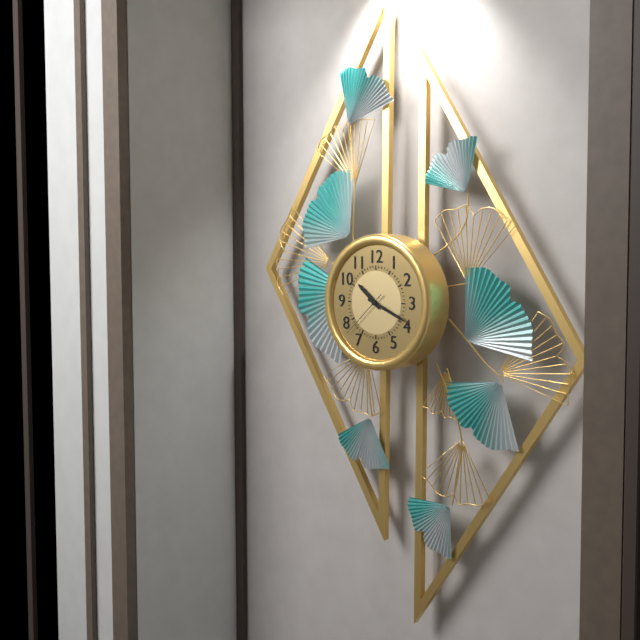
10:19:38
